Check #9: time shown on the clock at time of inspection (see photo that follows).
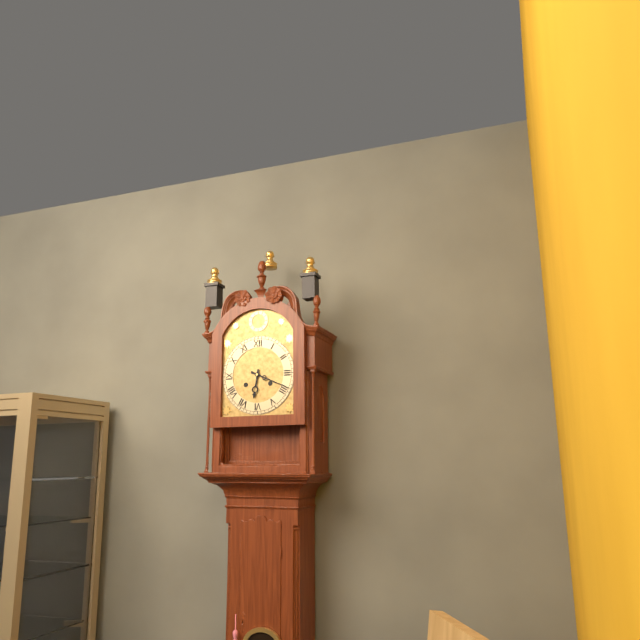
6:19
